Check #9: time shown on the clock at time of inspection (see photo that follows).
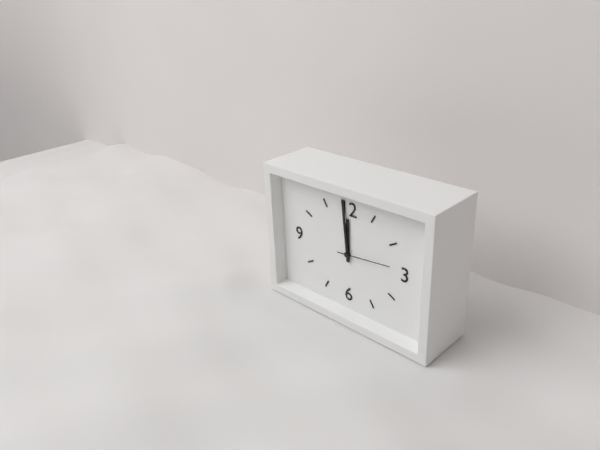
11:59:14
